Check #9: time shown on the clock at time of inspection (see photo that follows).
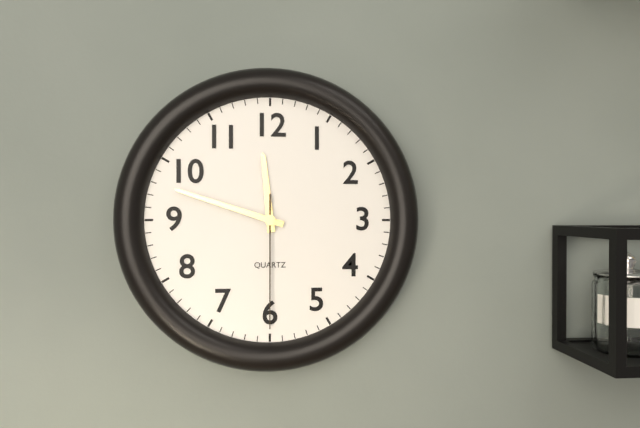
11:48:30
